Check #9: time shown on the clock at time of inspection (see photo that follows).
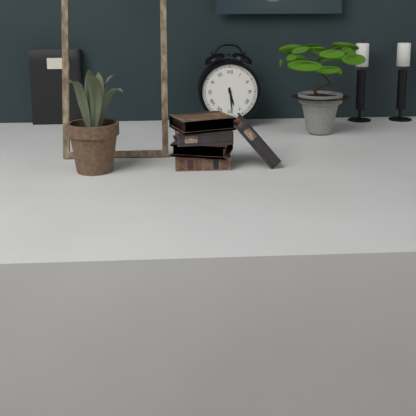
5:29
